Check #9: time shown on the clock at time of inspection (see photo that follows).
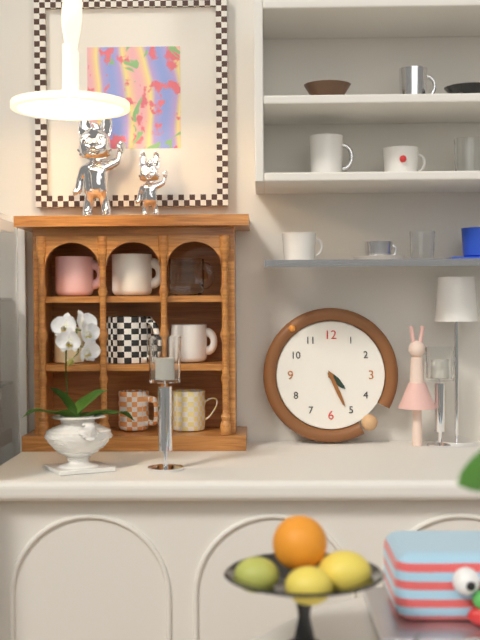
4:26
